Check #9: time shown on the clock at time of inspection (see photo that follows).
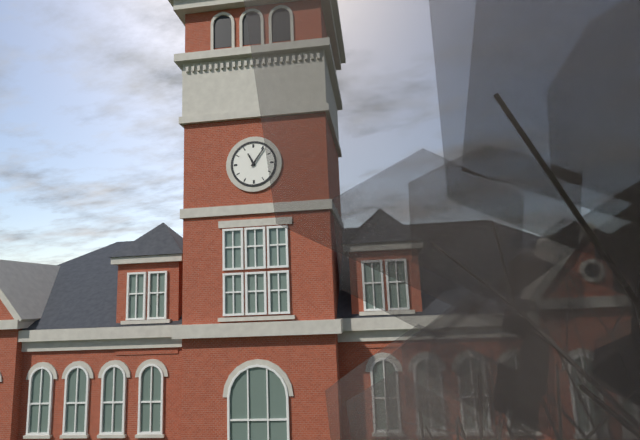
11:06
